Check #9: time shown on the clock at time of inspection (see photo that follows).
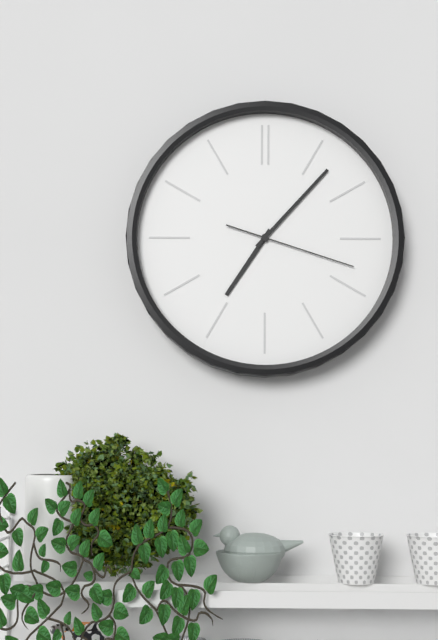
7:07:18
